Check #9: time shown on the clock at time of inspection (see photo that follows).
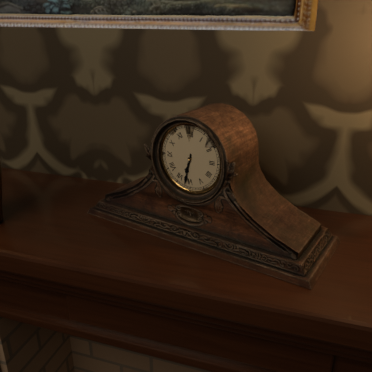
6:32
